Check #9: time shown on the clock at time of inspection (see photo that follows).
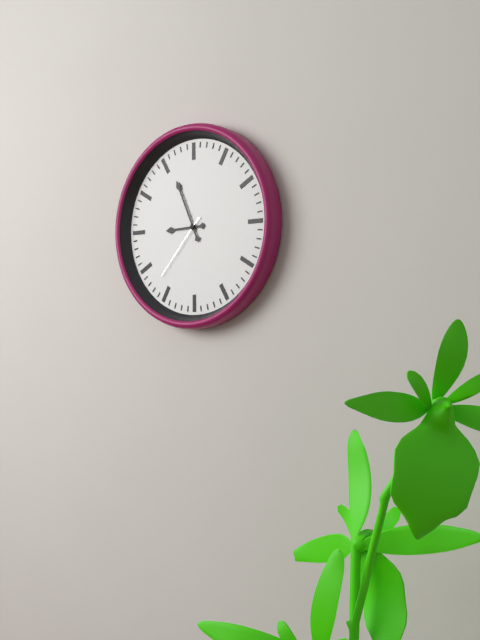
8:56:37
